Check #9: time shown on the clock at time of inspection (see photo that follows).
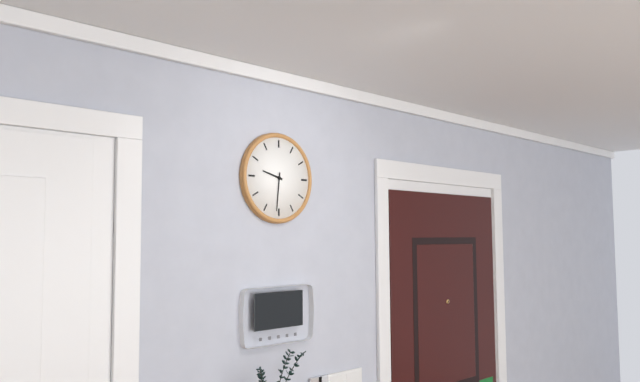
9:31
